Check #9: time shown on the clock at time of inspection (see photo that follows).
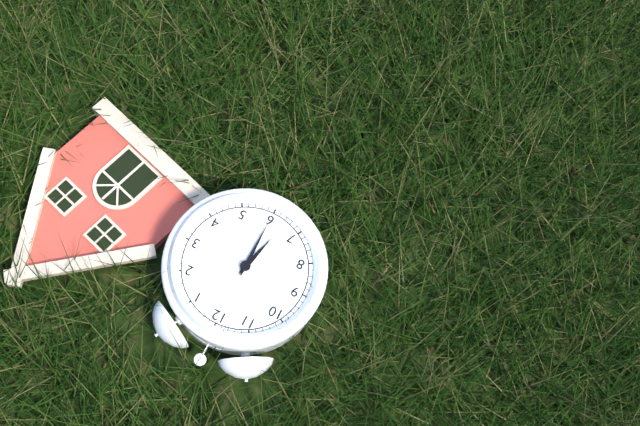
6:30
